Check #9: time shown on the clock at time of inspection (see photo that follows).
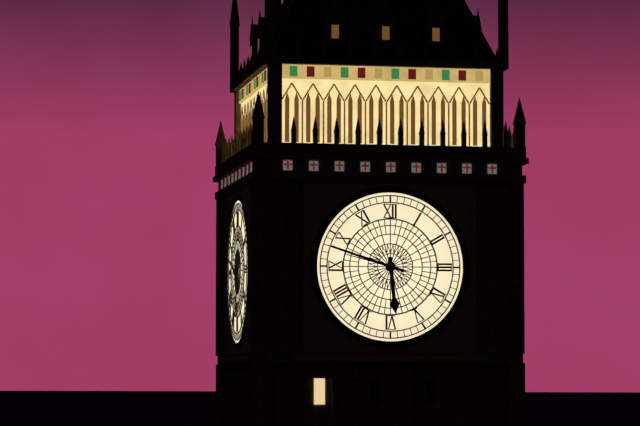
5:48
